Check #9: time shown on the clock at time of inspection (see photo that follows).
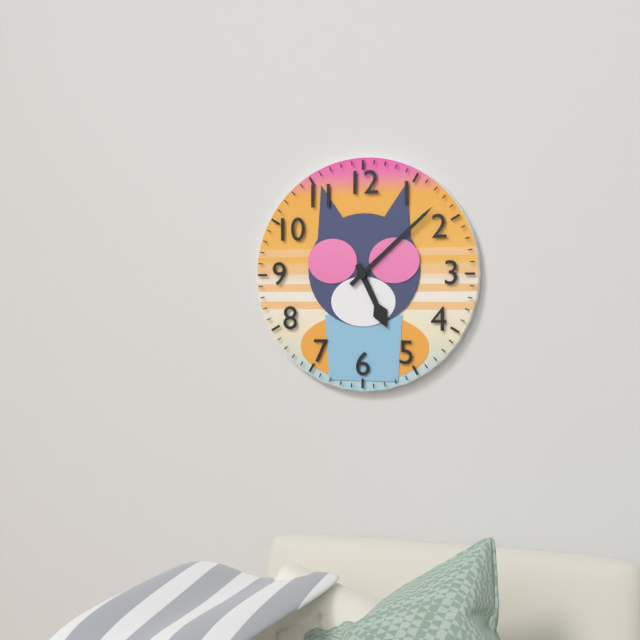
5:08
